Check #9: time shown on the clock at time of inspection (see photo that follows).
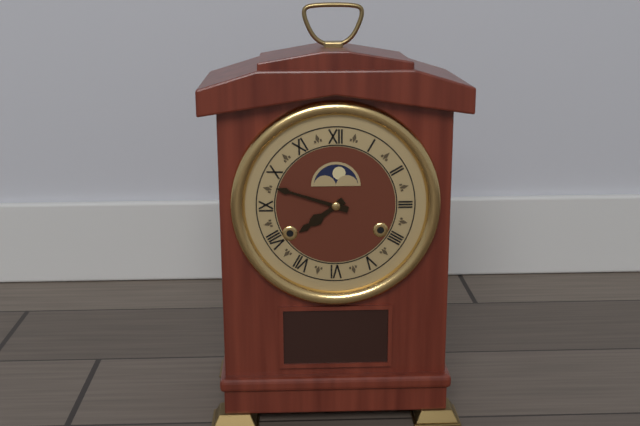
7:48
